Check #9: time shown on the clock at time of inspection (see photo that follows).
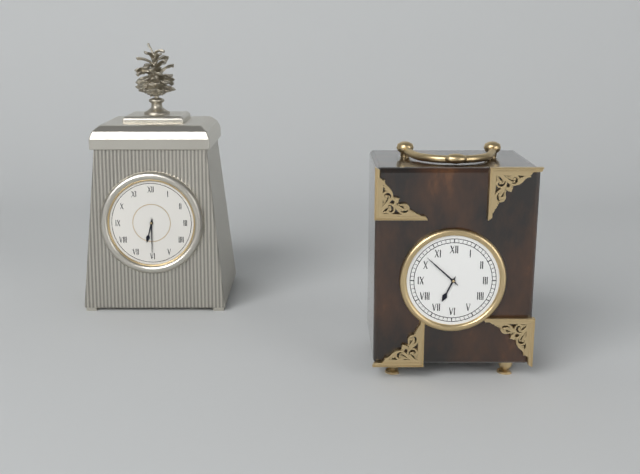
6:52
